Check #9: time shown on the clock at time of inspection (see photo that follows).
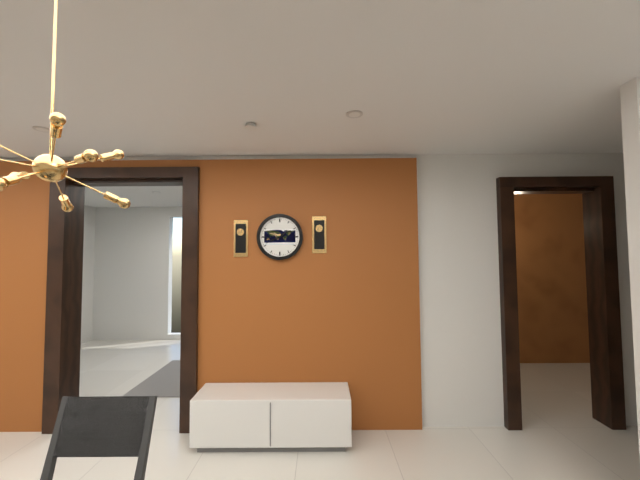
1:41
